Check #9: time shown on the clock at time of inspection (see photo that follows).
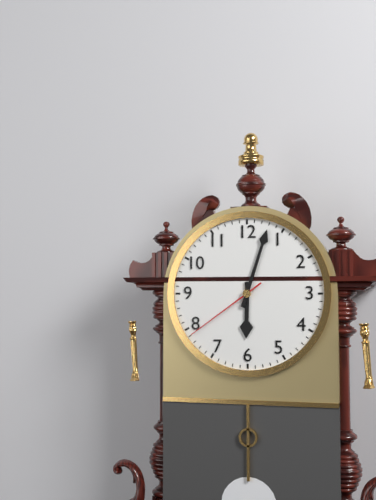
6:03:39
